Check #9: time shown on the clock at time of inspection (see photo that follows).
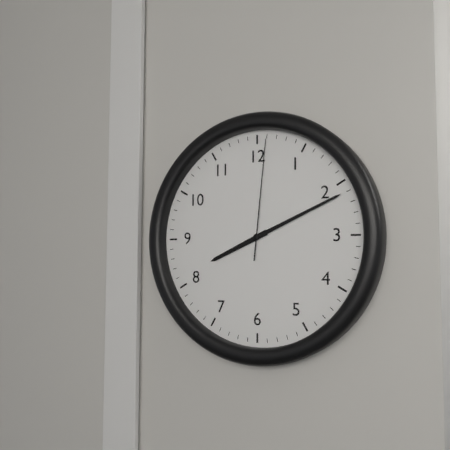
8:11:01
